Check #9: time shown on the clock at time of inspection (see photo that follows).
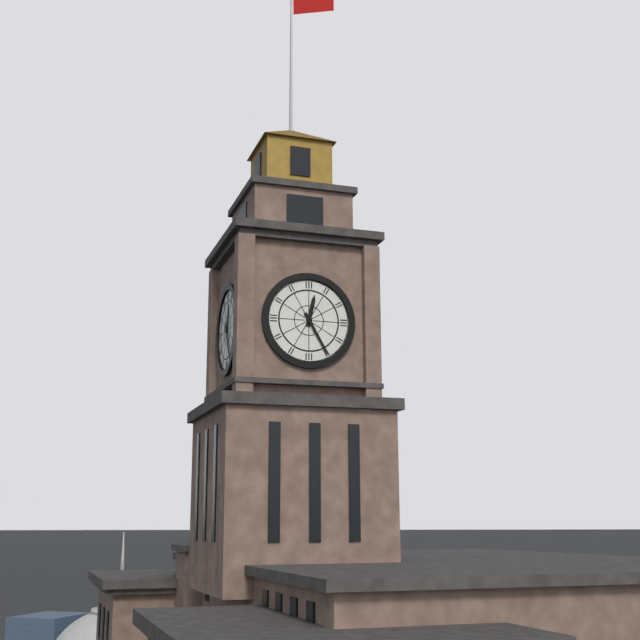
12:25
